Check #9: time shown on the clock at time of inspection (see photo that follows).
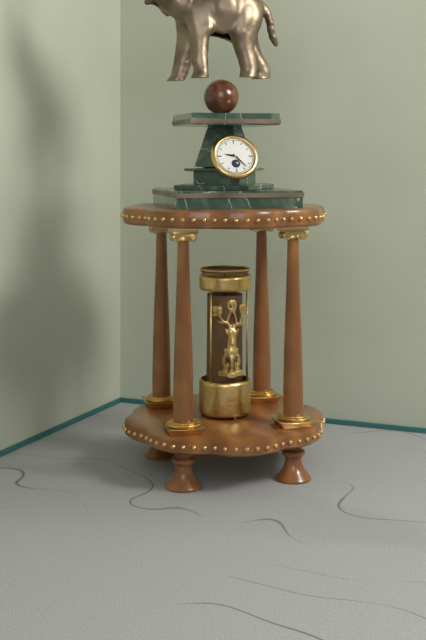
9:23
